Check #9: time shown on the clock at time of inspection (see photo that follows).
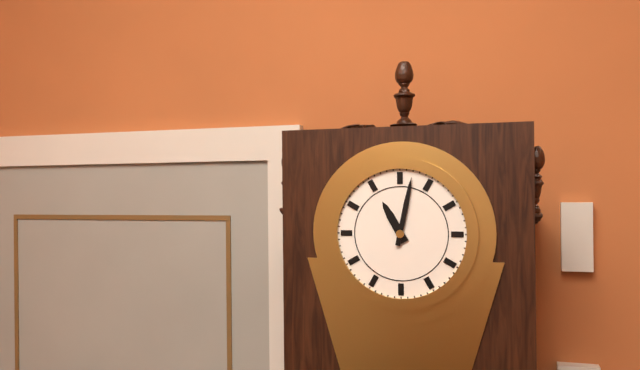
11:02
